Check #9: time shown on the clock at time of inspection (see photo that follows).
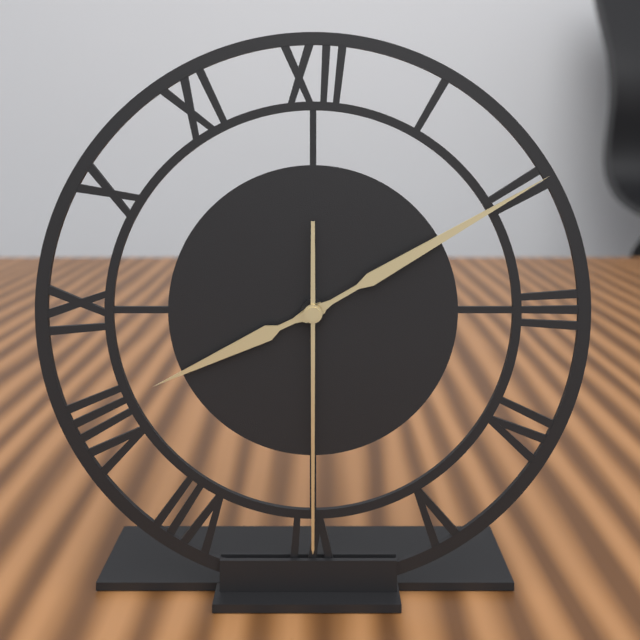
8:10:30
